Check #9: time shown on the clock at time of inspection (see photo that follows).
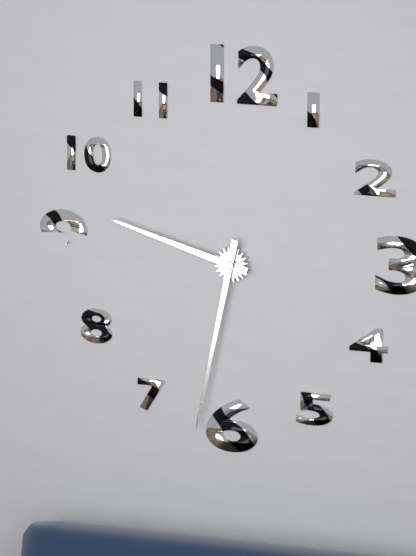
9:32
